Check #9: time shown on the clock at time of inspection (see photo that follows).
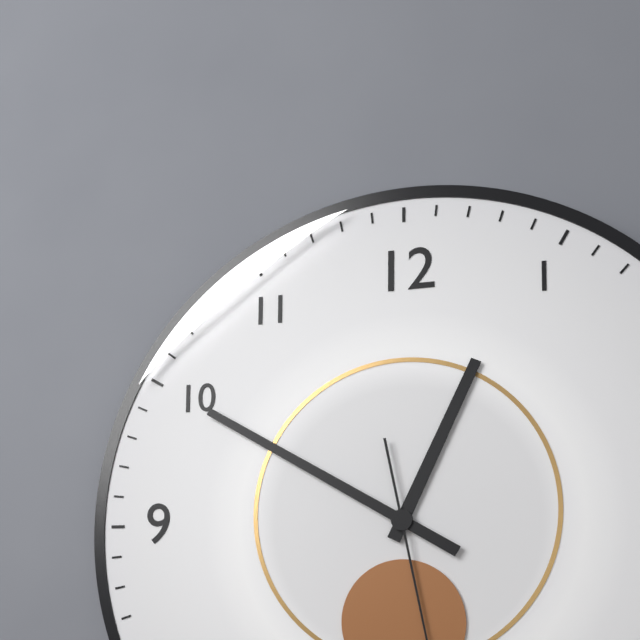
12:50
